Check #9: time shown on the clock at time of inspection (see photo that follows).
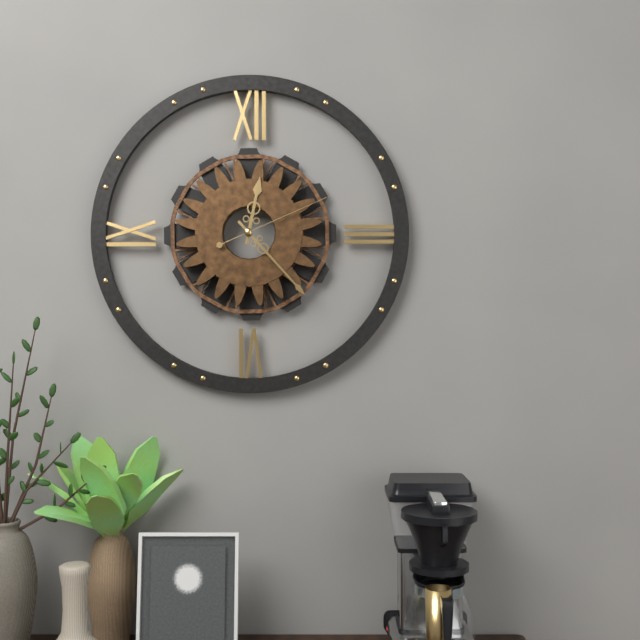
12:23:11
